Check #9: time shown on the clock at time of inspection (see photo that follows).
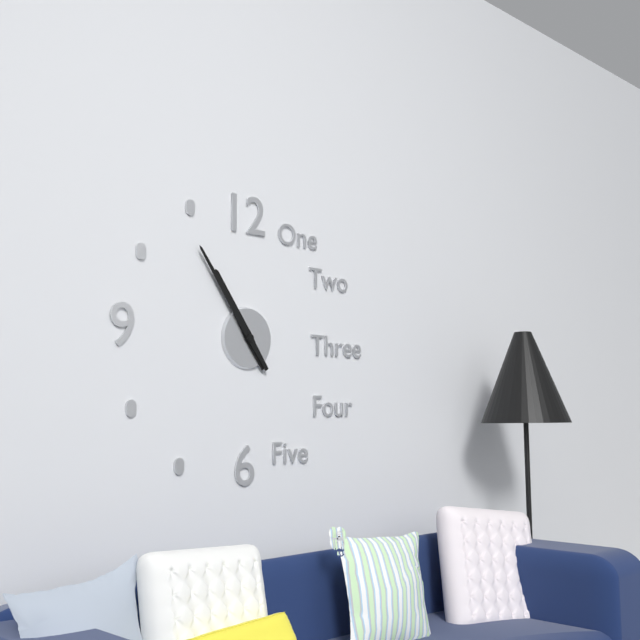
10:54
